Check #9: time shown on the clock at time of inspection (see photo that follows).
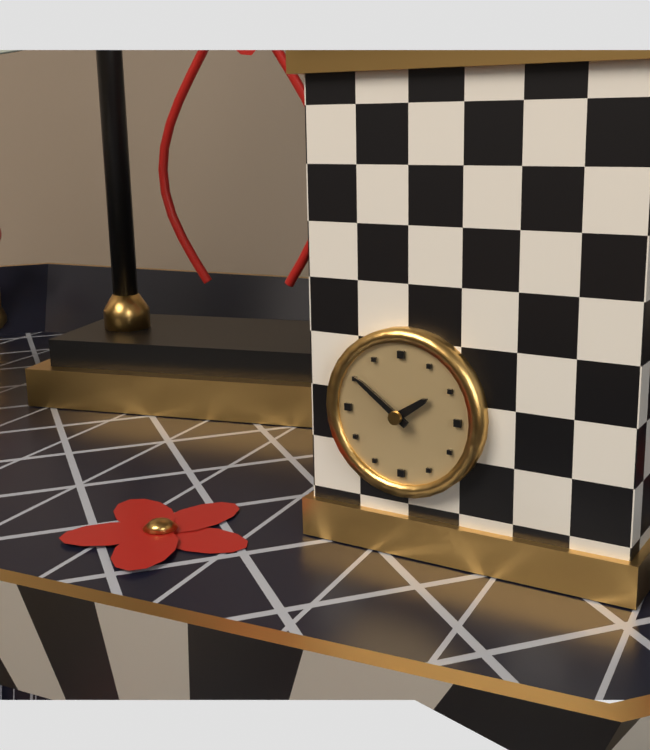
1:51
